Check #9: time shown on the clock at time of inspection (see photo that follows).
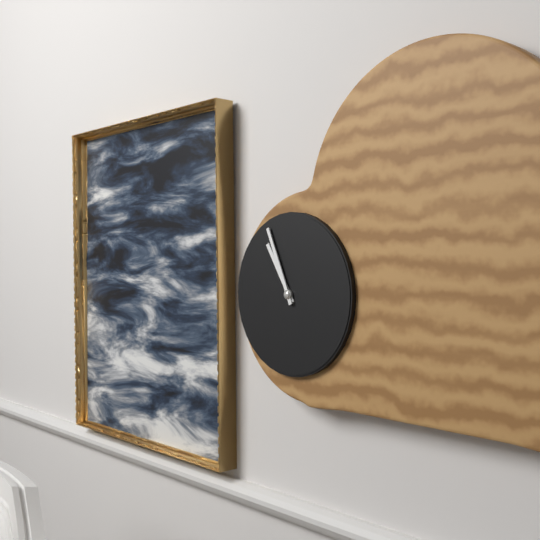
10:56
